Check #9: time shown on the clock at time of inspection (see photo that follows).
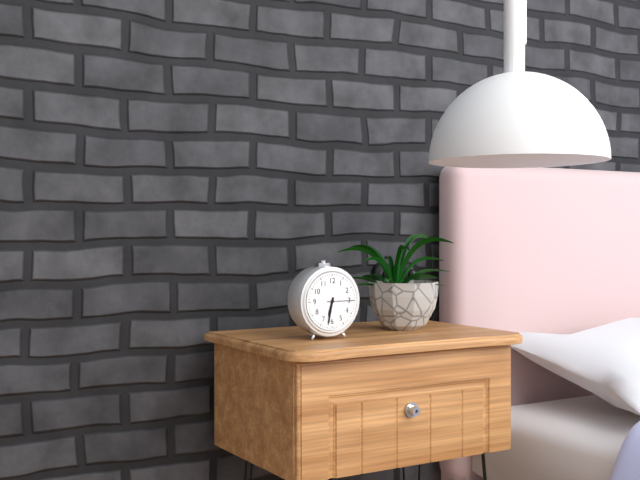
6:32
